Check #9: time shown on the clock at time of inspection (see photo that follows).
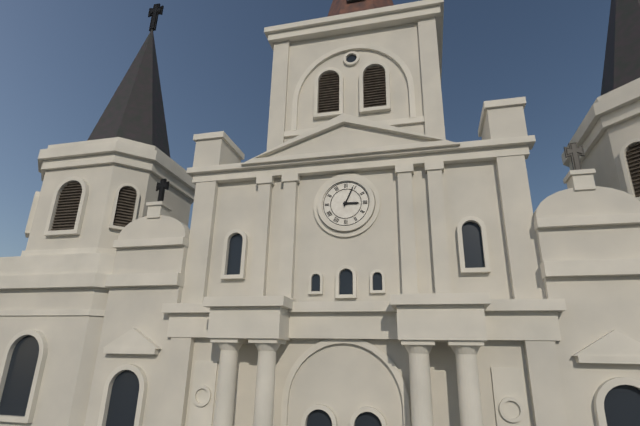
3:04
